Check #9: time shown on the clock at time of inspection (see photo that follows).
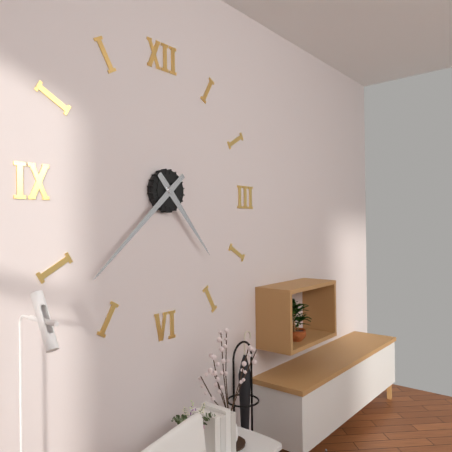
4:38
